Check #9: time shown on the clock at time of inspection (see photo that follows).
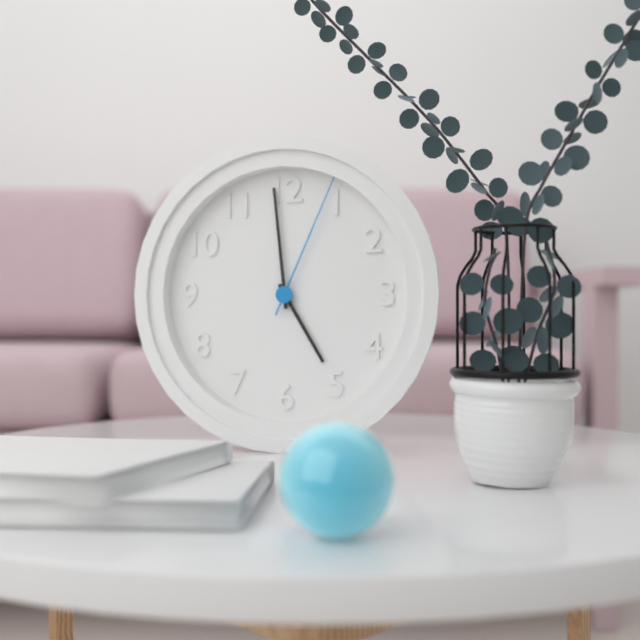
4:59:04
